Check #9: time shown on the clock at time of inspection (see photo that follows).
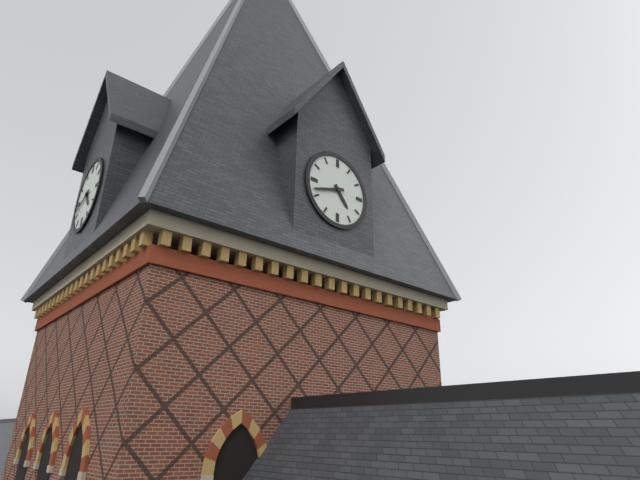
4:42
